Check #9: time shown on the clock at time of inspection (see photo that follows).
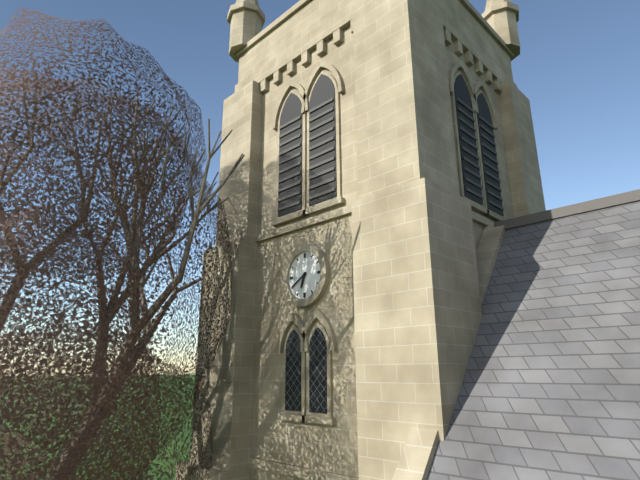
6:40
